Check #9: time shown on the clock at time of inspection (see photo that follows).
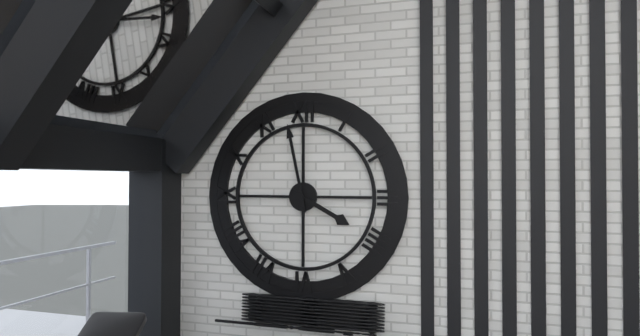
3:58
